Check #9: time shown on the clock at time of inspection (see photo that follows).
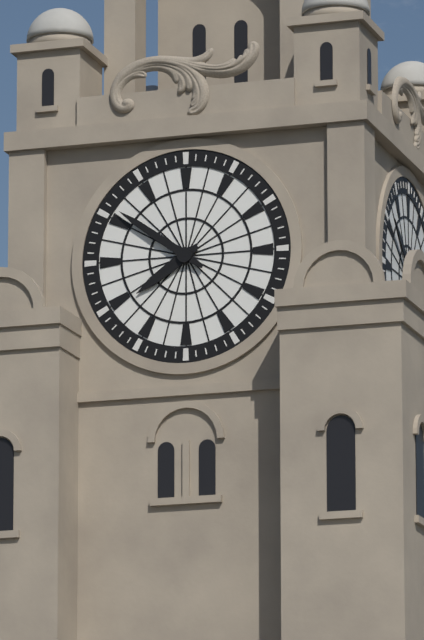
7:51
